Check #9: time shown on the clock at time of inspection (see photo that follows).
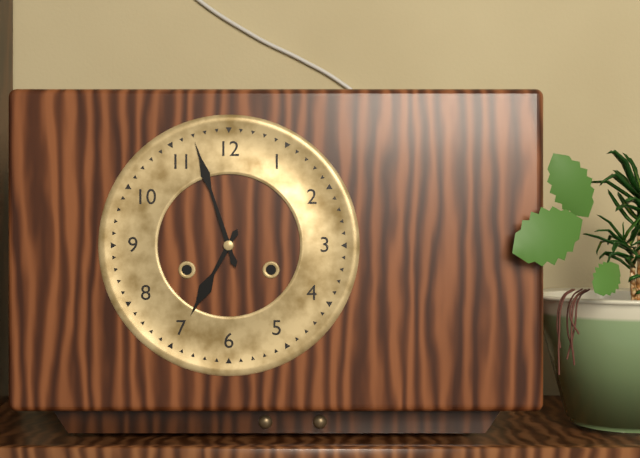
6:57
